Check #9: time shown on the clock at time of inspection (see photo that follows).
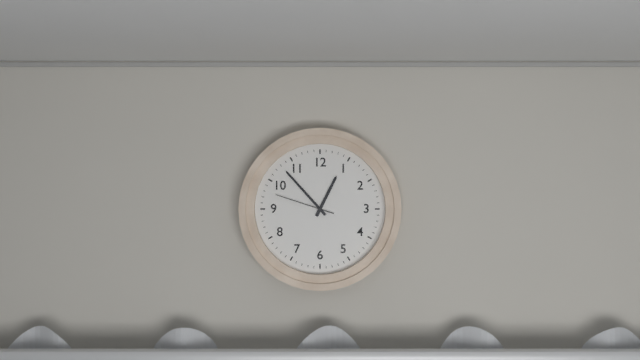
12:53:48
